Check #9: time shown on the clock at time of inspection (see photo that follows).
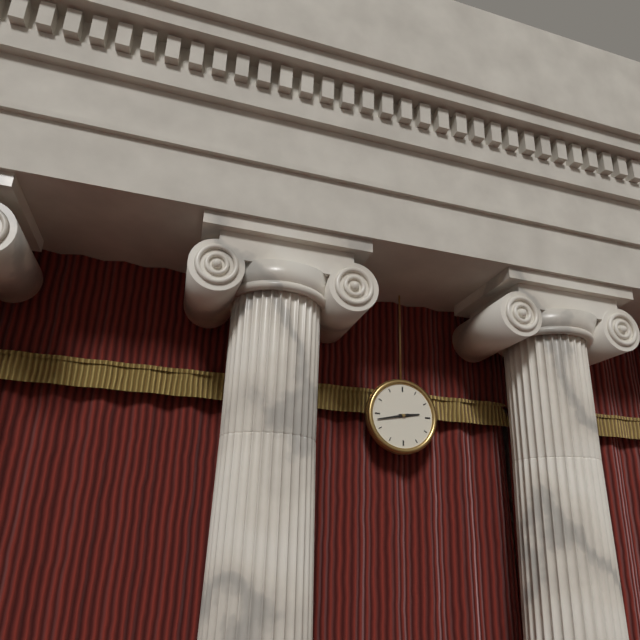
2:43
